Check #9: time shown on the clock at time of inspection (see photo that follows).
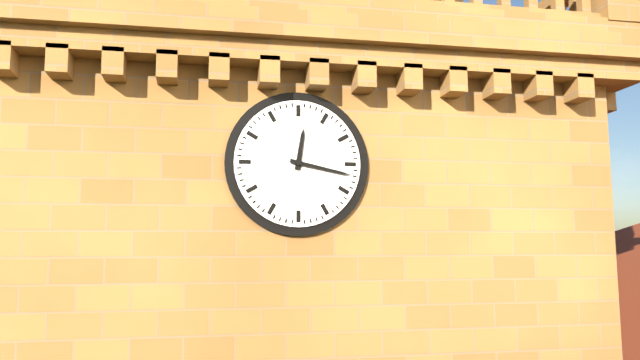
12:17
